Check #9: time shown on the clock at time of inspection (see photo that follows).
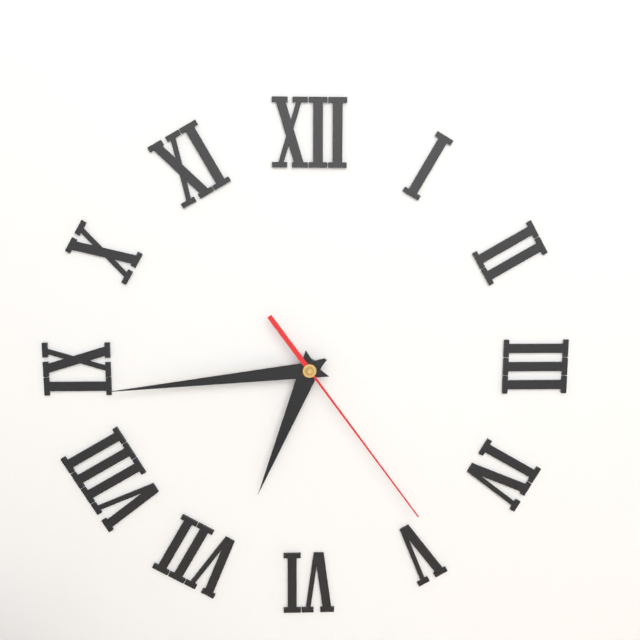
6:44:24
